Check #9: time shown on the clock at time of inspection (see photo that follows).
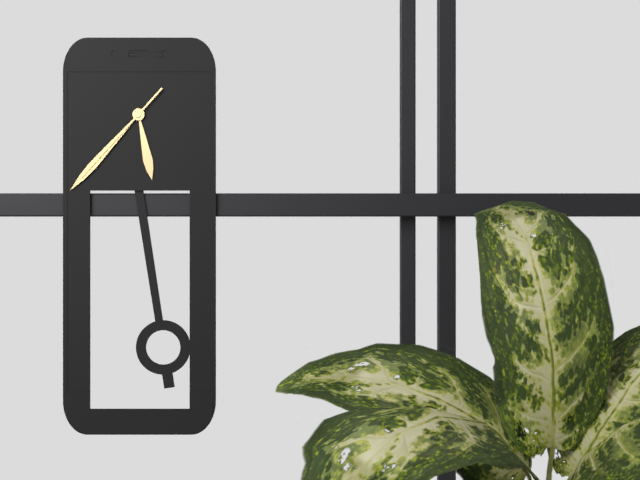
5:37:37
